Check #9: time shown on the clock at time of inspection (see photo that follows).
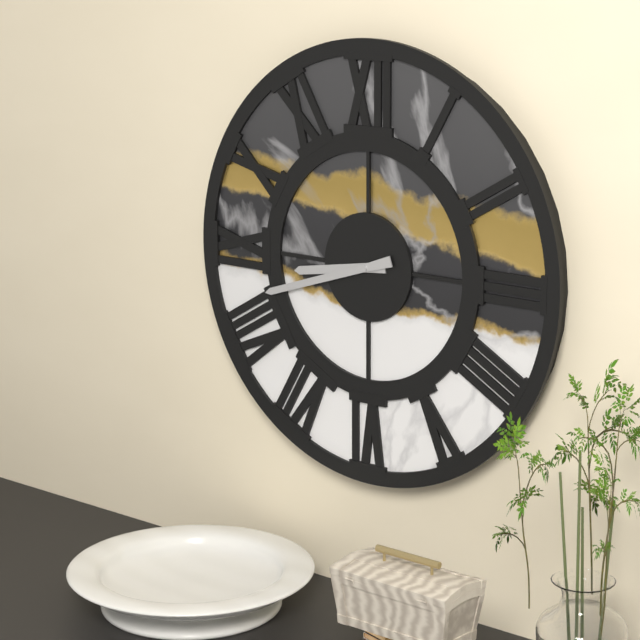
8:42
